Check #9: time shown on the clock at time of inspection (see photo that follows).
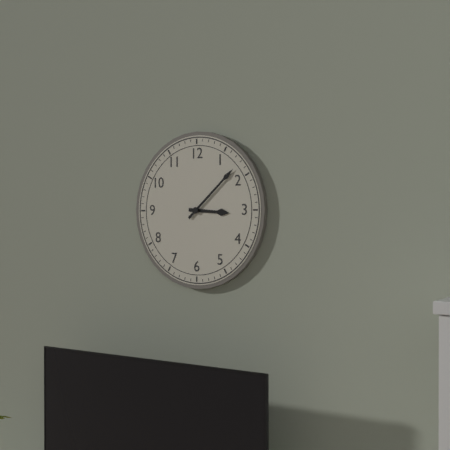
3:08
